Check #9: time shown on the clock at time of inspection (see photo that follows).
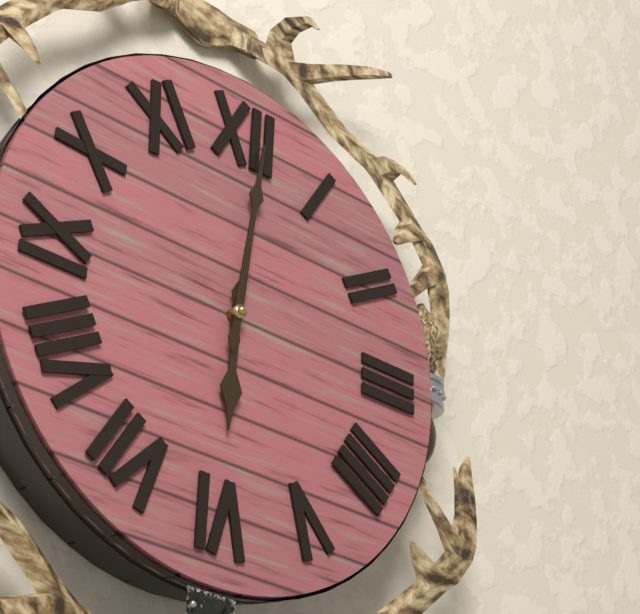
6:01
